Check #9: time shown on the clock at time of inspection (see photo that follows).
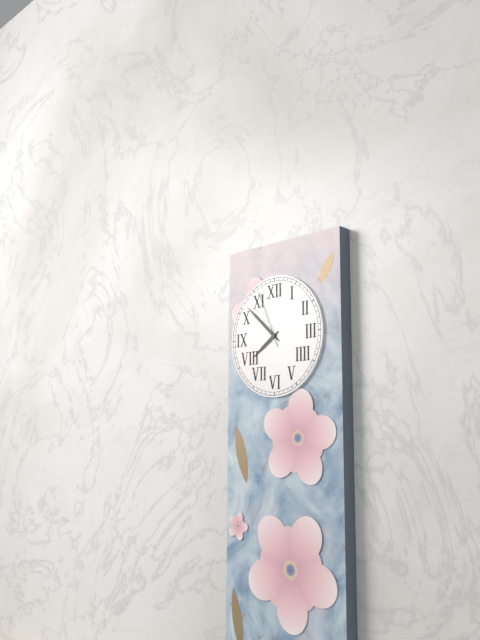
7:52:56
